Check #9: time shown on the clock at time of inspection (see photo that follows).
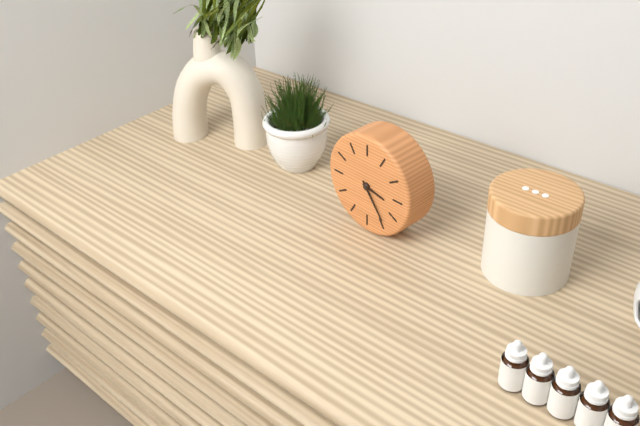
3:24
